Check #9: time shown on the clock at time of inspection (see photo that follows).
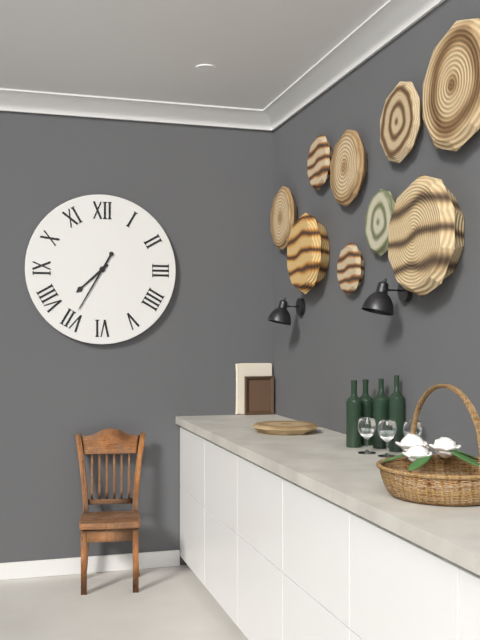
7:35
